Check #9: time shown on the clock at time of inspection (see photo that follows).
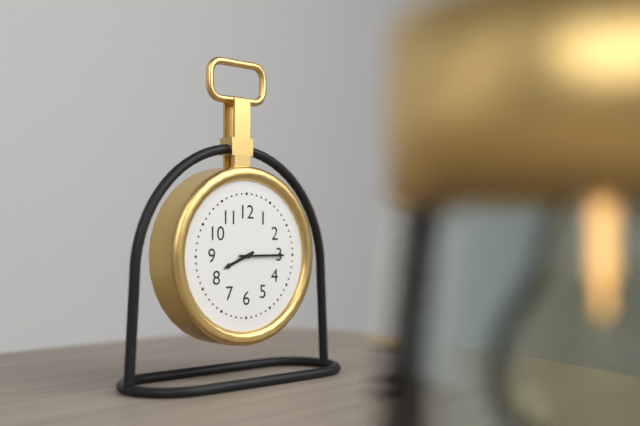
8:15
